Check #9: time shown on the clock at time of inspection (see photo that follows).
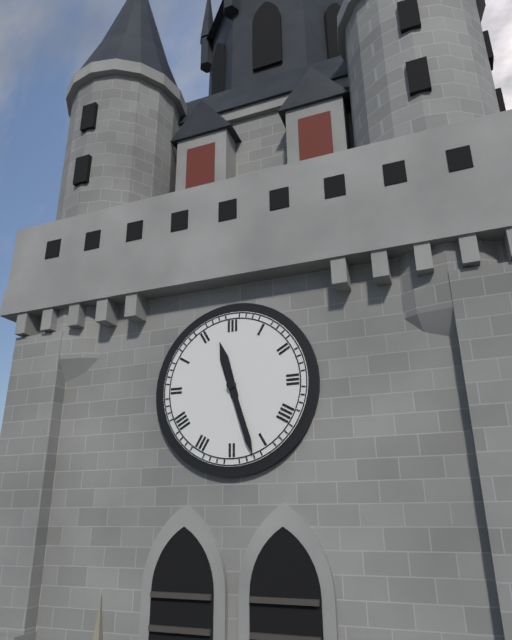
11:27
